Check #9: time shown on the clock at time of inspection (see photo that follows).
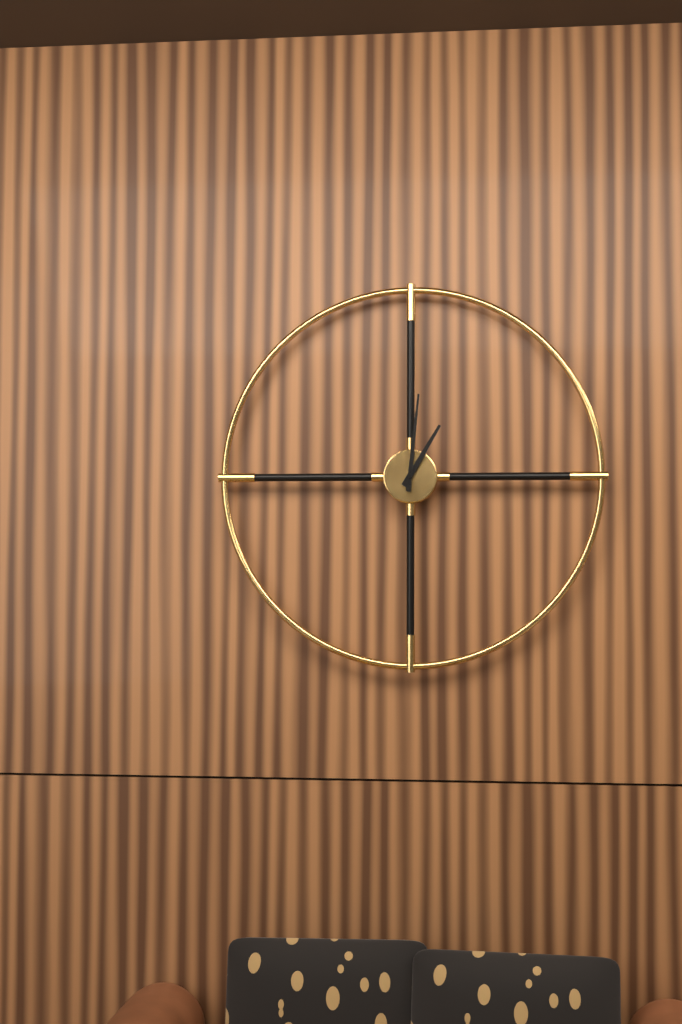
1:01
